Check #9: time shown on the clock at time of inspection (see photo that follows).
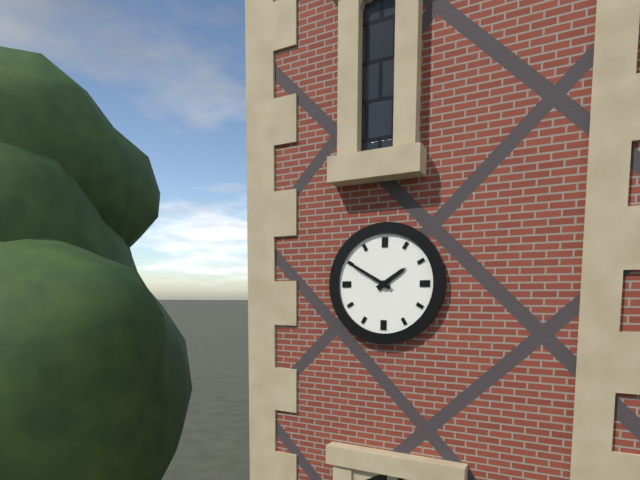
1:50
